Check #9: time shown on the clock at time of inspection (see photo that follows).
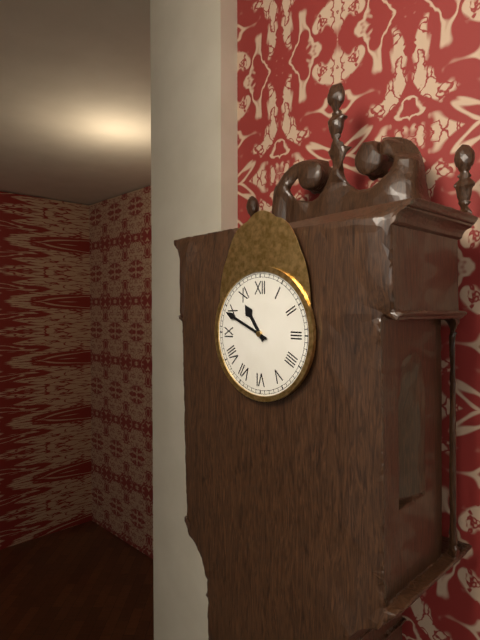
10:49
